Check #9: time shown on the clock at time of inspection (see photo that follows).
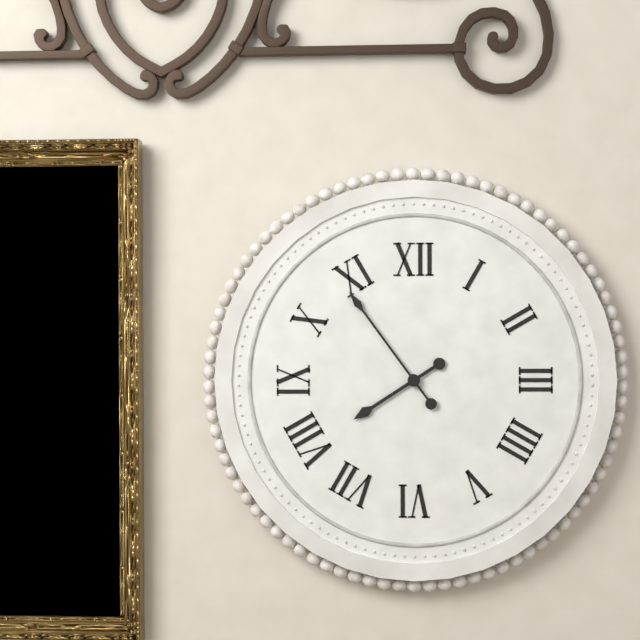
7:54
